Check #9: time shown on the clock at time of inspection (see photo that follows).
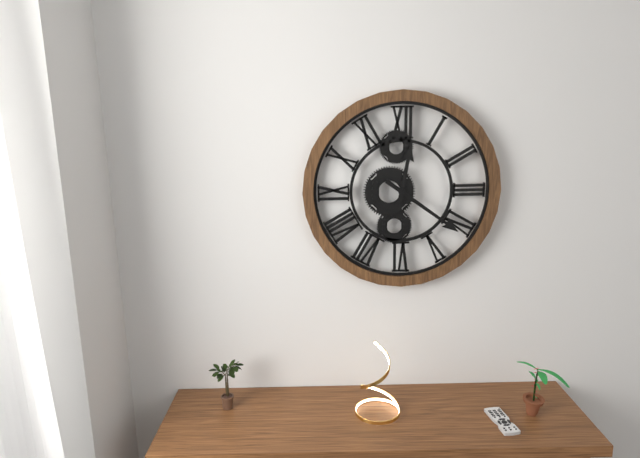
12:21
